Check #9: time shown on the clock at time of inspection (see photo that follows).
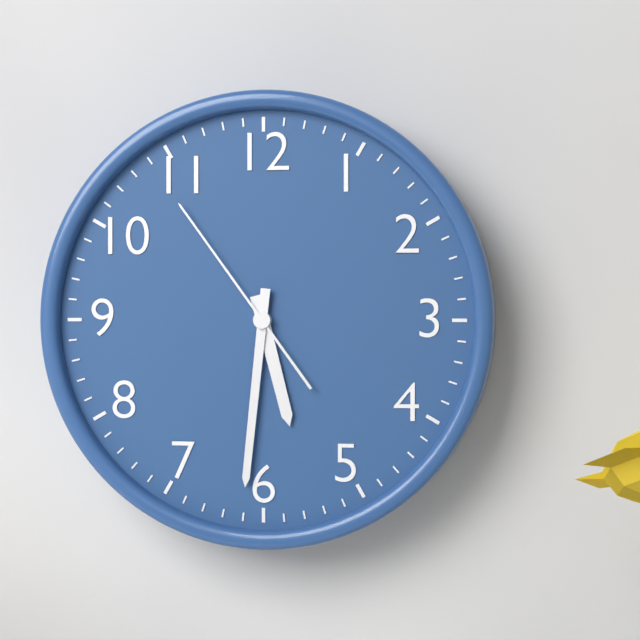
5:31:54
